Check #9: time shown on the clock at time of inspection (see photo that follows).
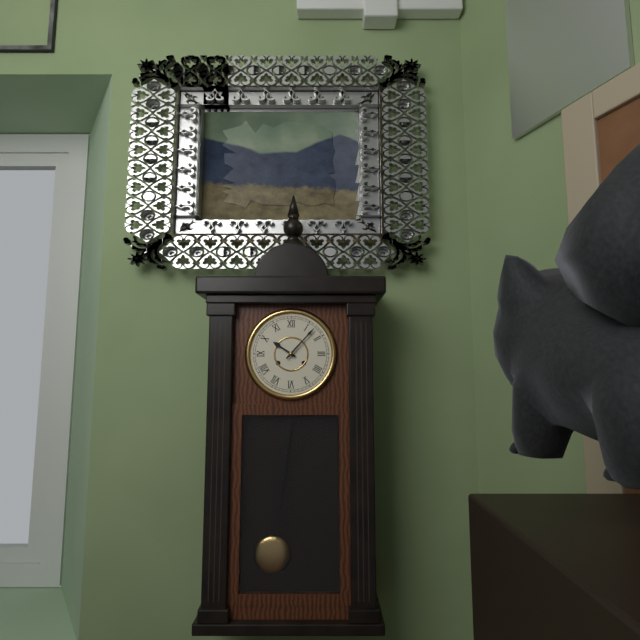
10:07
